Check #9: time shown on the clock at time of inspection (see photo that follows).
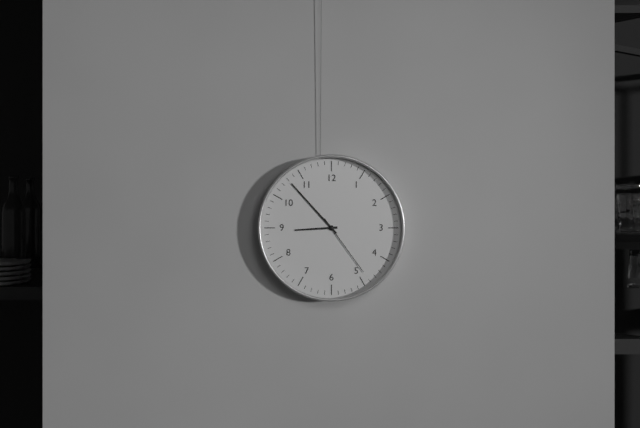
8:53:24
